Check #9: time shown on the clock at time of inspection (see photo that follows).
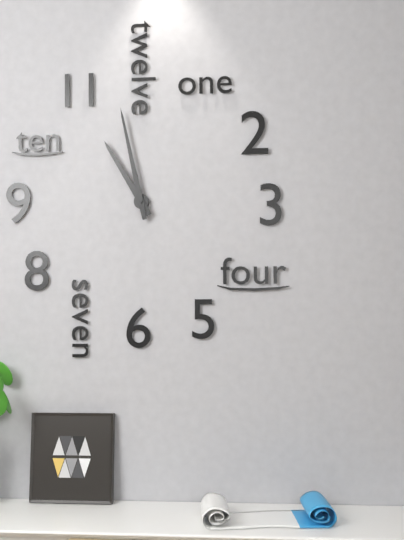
10:58
